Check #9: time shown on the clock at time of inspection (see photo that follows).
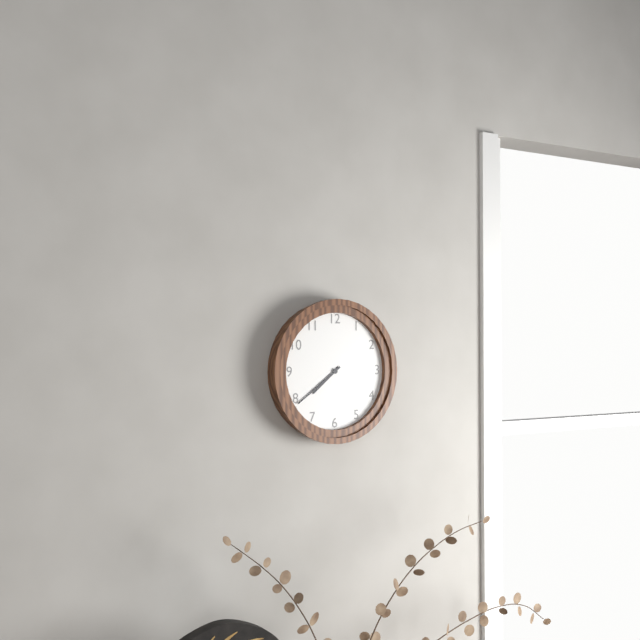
7:39
